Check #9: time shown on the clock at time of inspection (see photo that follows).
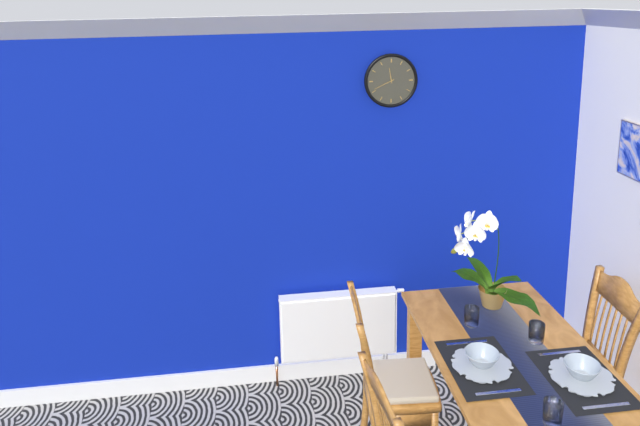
11:41
